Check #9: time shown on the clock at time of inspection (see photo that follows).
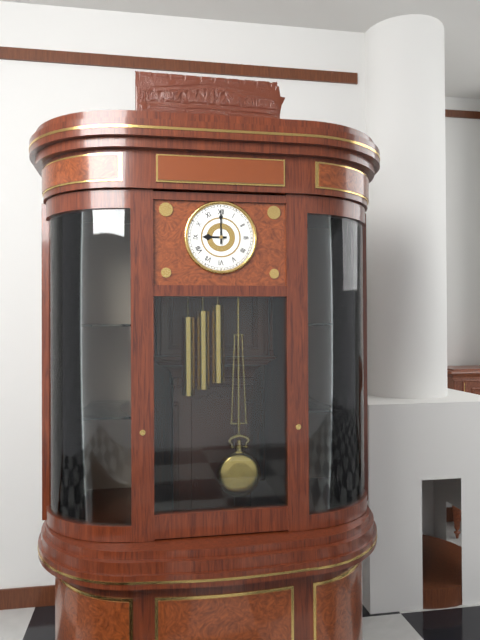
9:00
